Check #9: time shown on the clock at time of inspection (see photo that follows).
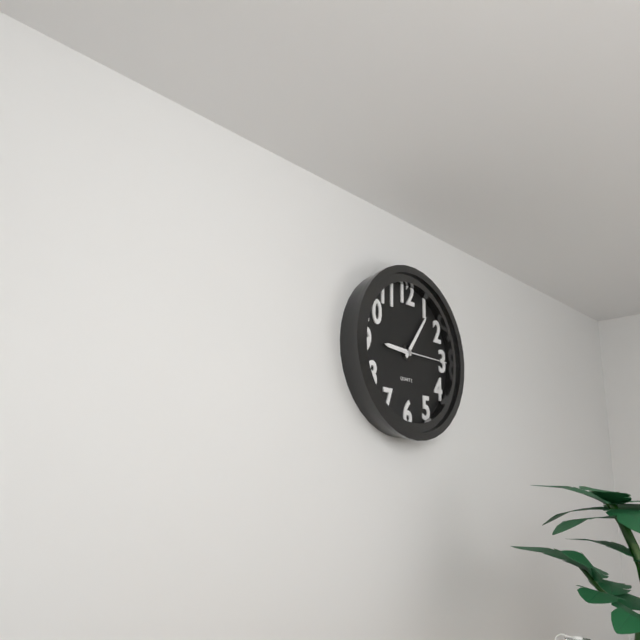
9:06:15
